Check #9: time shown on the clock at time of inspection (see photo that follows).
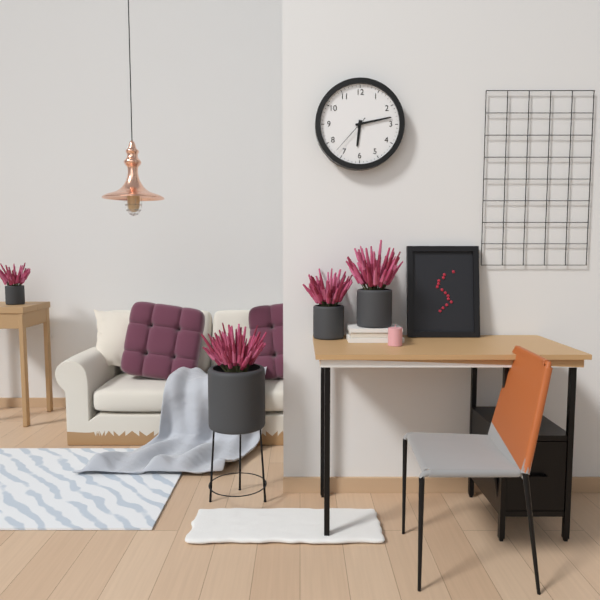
6:13
